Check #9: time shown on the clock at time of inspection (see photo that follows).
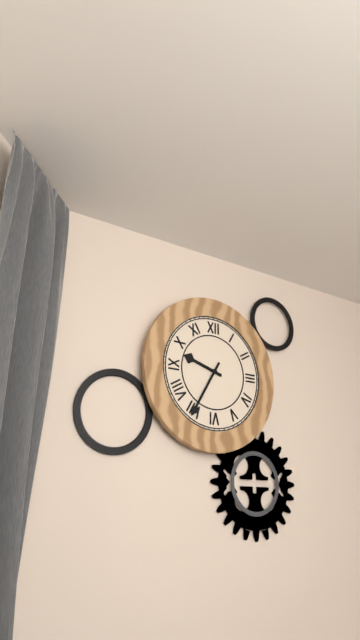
9:35
